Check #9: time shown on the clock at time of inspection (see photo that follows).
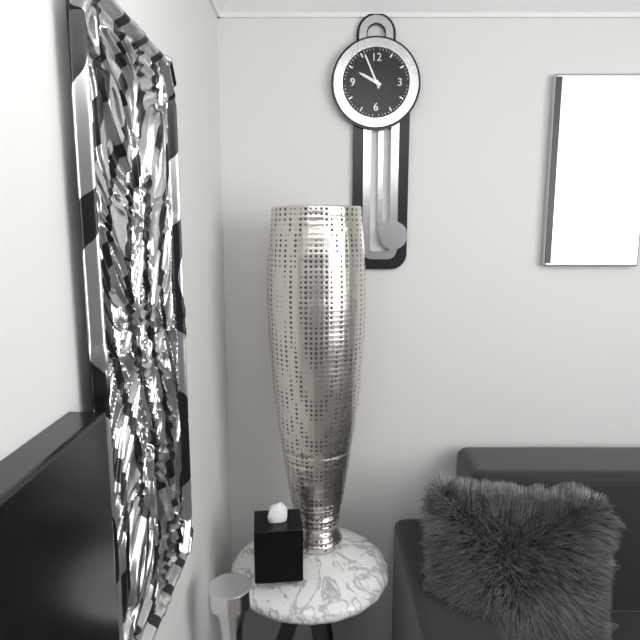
9:56
